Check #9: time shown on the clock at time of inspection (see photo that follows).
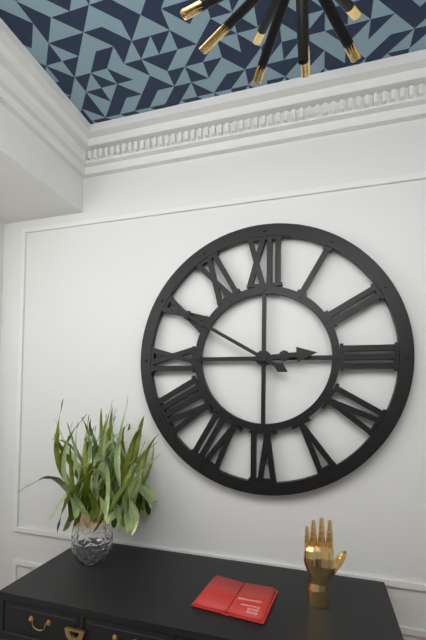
2:50
